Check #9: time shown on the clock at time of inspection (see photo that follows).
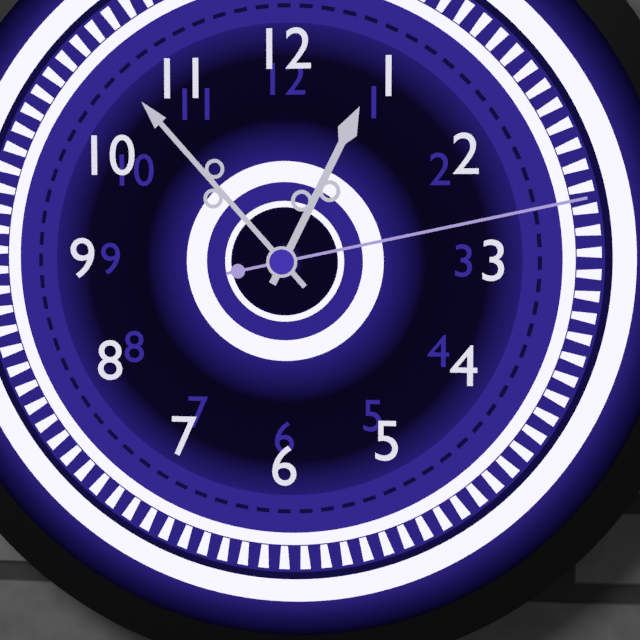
12:53:13
